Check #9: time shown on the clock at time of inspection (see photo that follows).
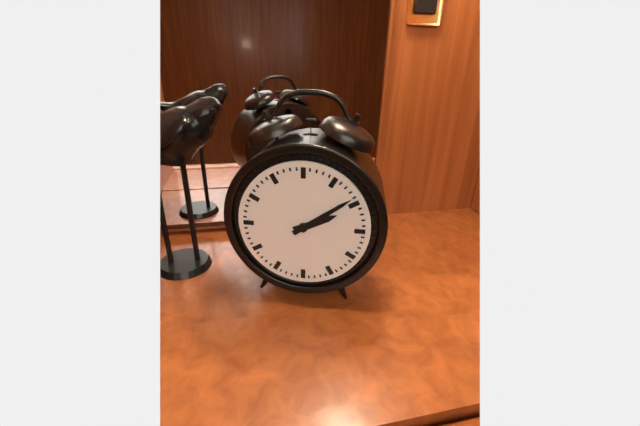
2:09
